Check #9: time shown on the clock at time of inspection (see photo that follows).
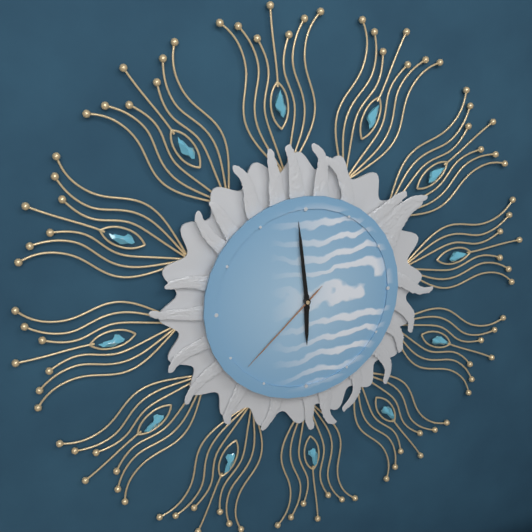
5:59:38
